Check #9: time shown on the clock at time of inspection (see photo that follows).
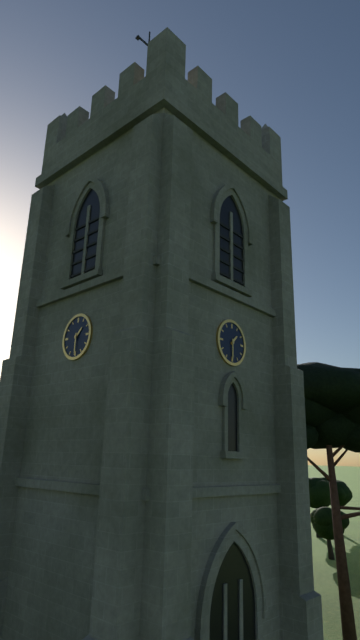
1:30
